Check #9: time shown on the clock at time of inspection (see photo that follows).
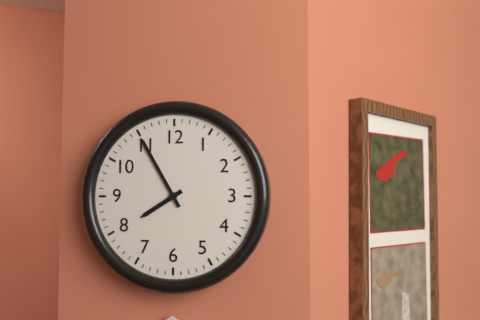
7:55
